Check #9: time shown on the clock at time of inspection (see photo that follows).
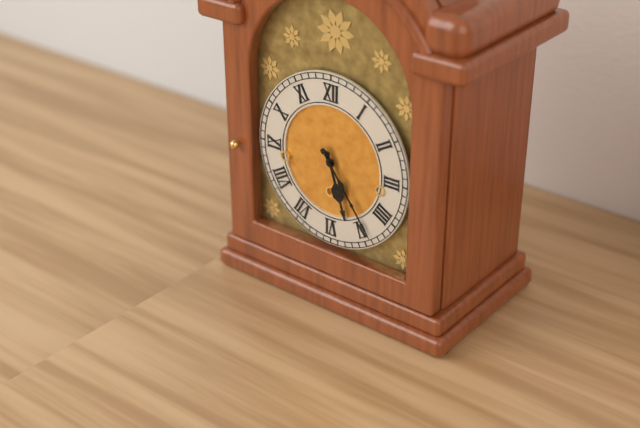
5:24
